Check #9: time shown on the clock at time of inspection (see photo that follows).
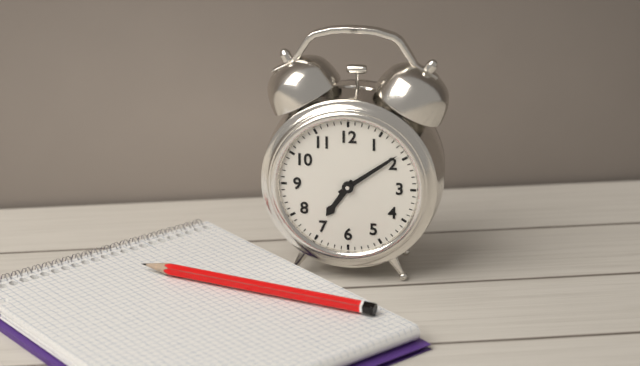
7:09
